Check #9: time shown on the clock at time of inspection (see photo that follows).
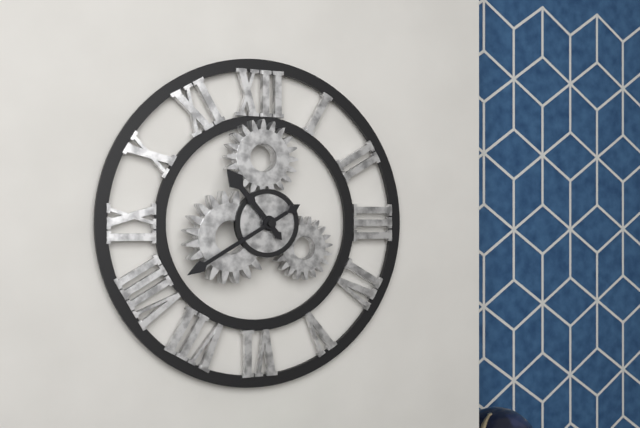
10:40
